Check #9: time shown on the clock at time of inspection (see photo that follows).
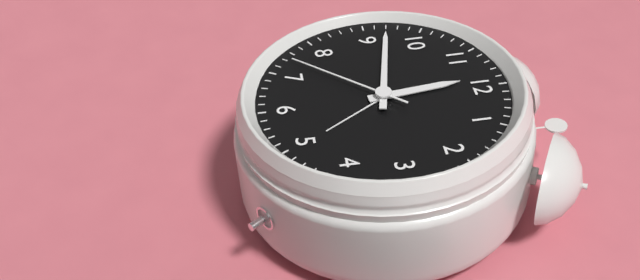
11:47:37
